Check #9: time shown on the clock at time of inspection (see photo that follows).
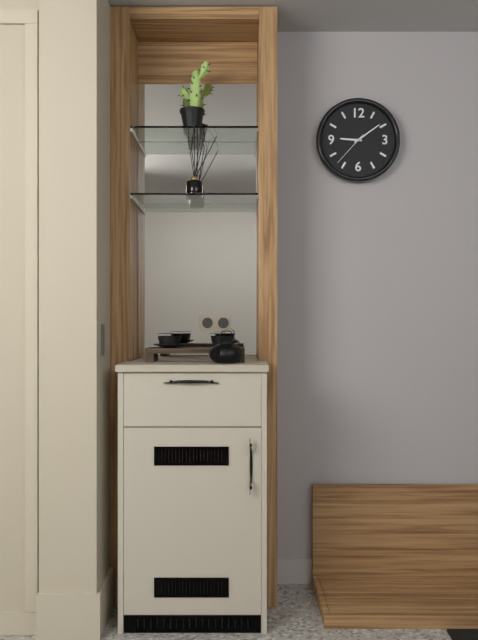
9:09
